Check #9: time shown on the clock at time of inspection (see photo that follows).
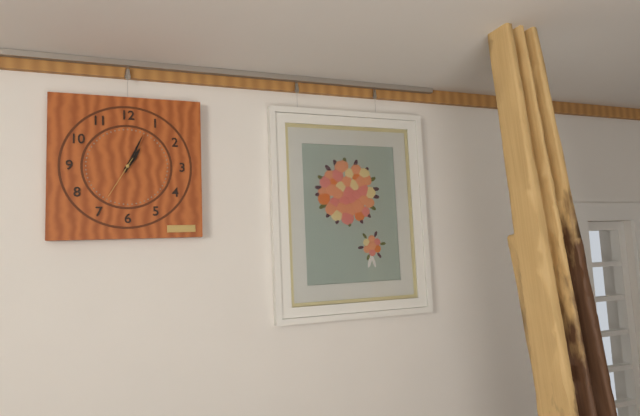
1:04
